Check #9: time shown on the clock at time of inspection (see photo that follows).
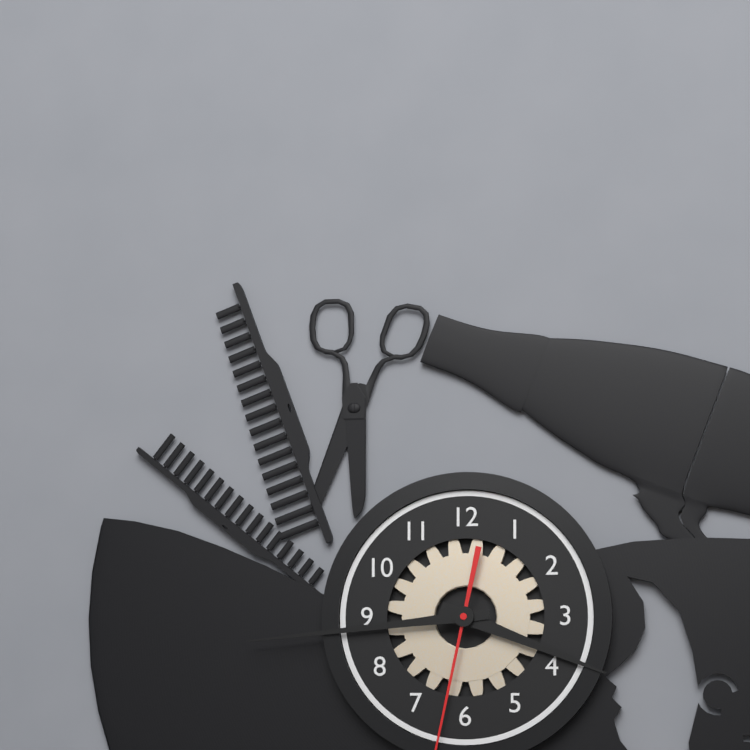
3:44
